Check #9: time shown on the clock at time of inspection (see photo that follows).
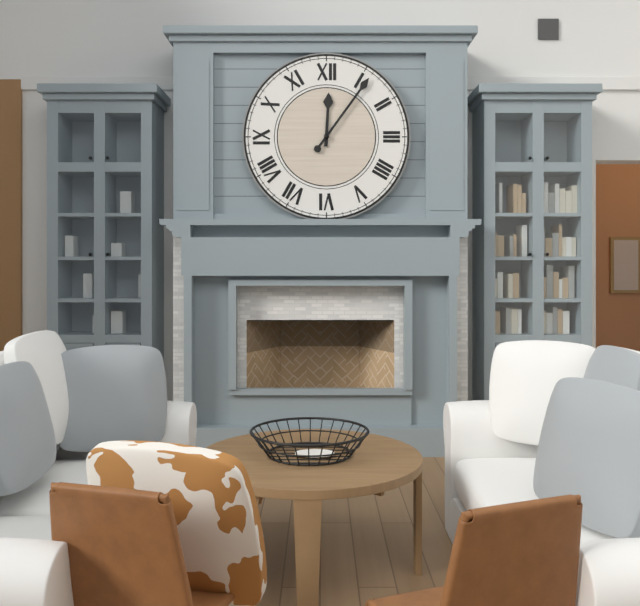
12:06
